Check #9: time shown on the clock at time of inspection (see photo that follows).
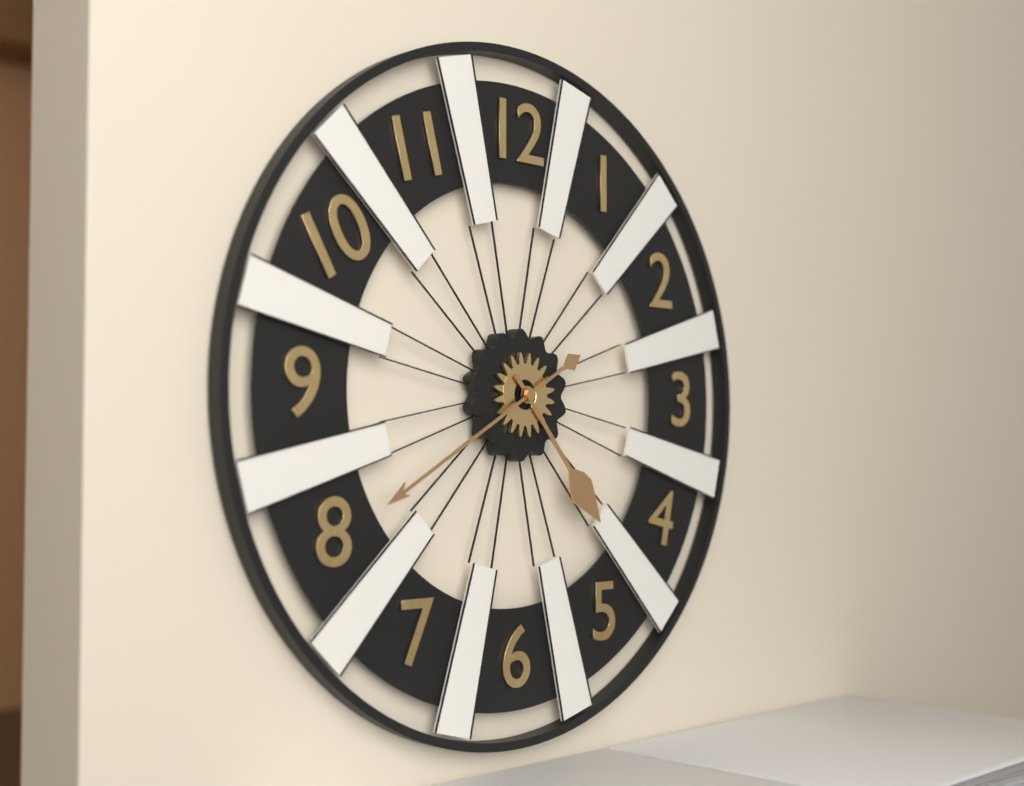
4:40
